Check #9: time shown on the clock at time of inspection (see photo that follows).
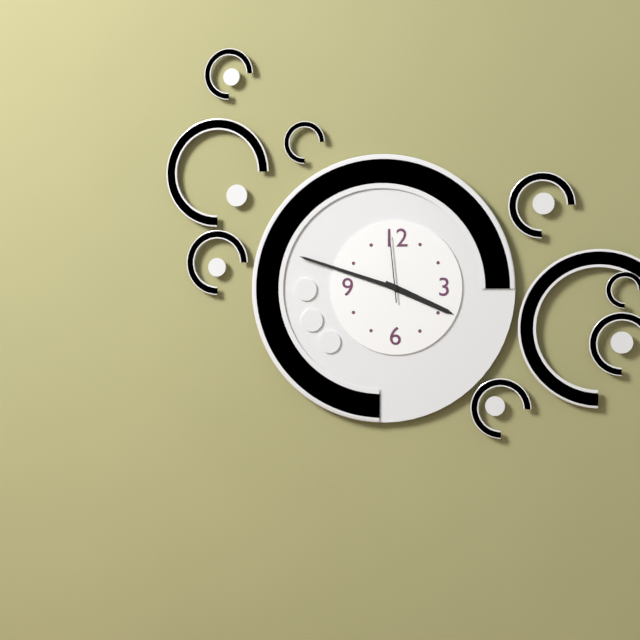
3:48:59
